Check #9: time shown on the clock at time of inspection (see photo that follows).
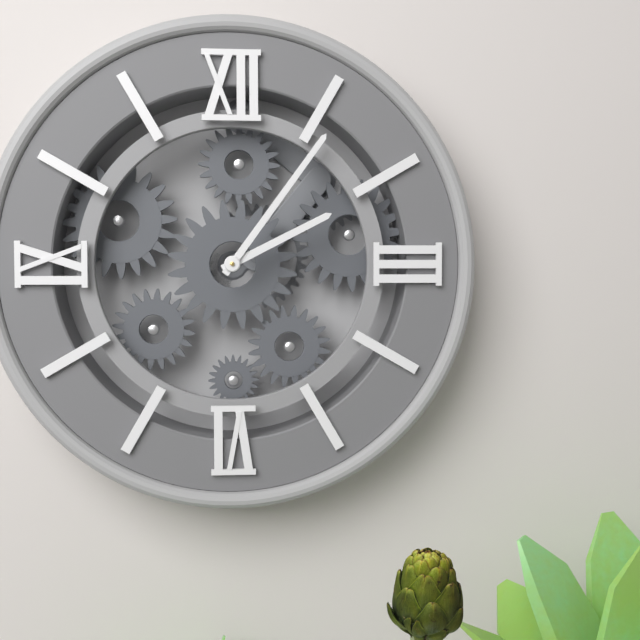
2:06
